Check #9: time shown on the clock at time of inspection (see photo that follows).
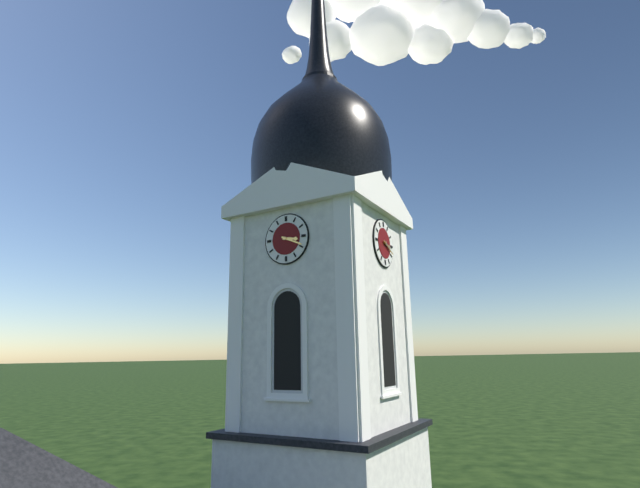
3:19
